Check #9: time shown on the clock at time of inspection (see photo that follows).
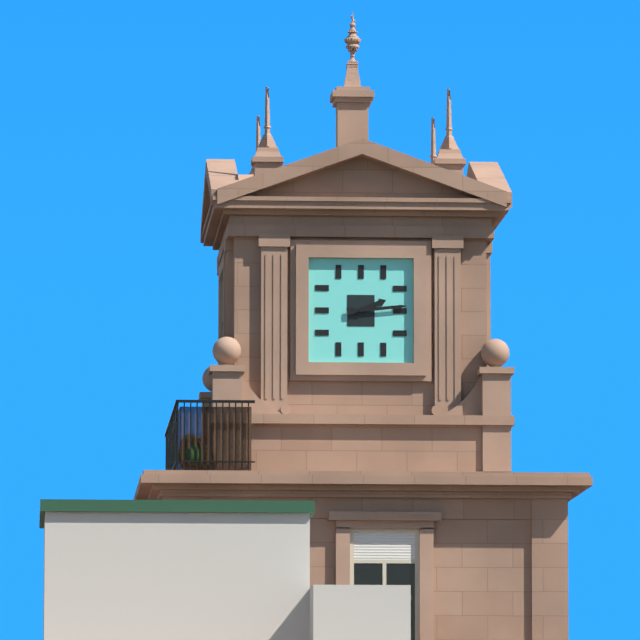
2:14
